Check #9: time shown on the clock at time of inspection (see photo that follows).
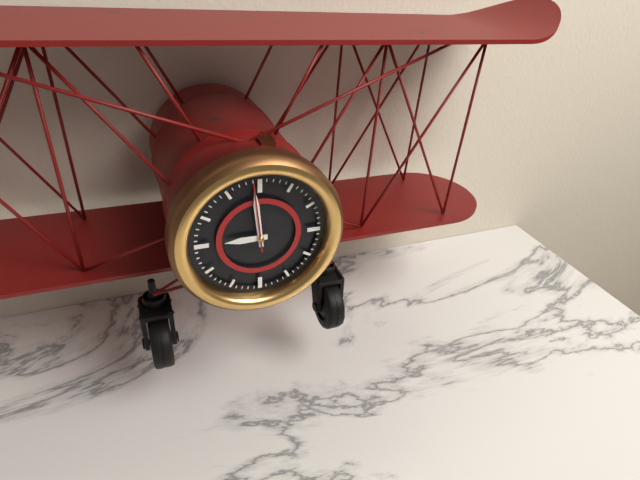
8:59:59
